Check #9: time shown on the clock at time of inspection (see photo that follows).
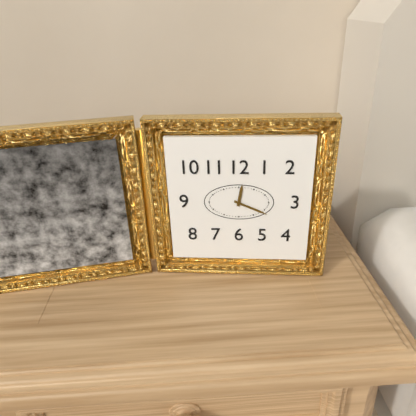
12:19
